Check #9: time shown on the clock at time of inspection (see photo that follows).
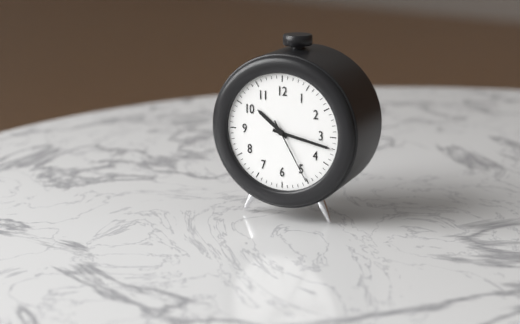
10:17:25
